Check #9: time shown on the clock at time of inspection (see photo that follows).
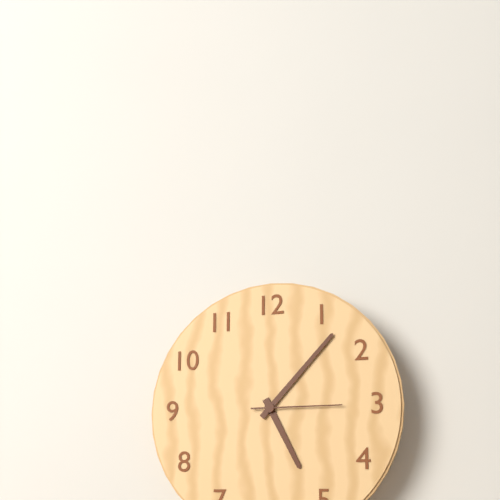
5:07:15
